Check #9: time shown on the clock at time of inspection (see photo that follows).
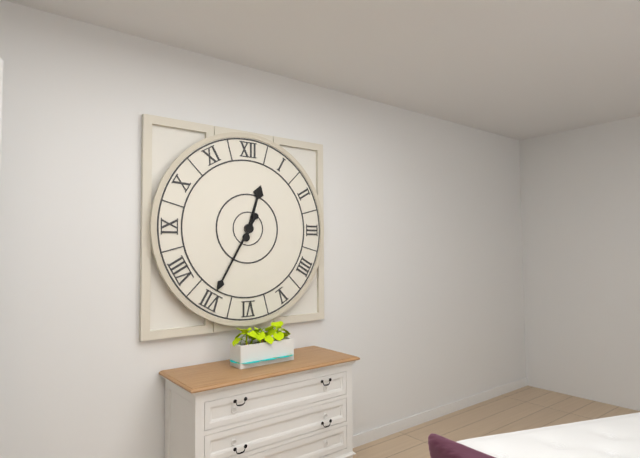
12:35
